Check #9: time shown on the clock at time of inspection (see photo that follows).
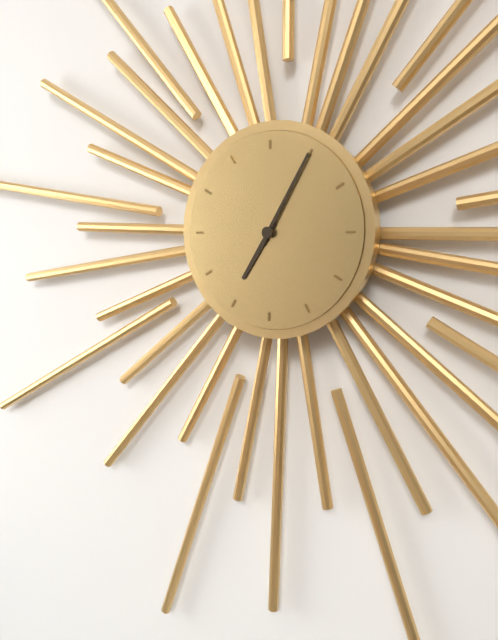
7:05
